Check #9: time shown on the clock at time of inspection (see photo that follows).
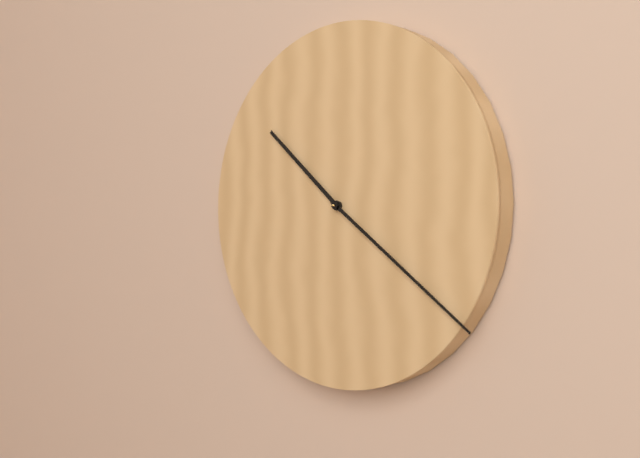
10:21
